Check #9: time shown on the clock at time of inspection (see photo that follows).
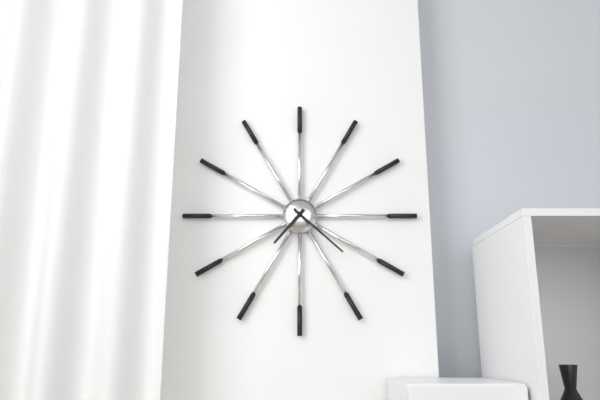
7:22
